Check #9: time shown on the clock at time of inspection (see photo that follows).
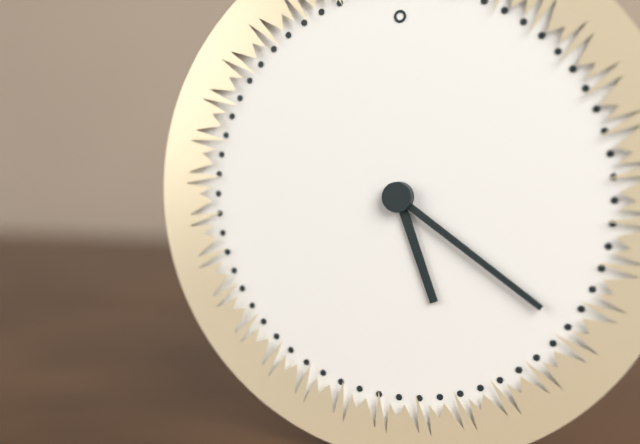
5:21
